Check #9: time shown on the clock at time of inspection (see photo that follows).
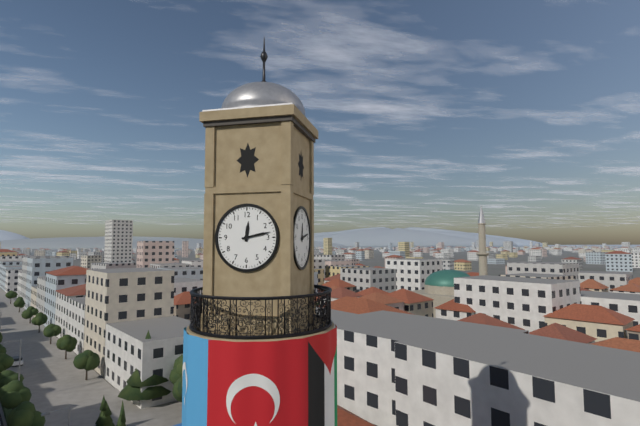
12:13
